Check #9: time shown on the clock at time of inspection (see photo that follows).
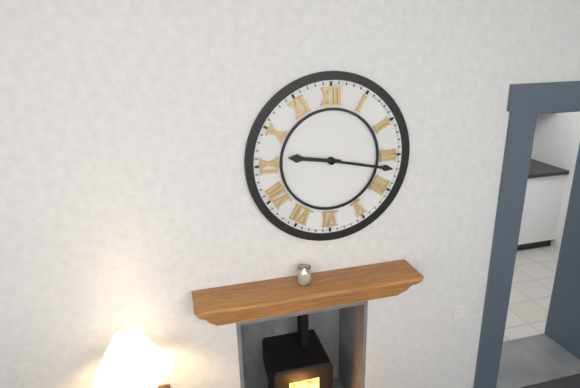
9:17
